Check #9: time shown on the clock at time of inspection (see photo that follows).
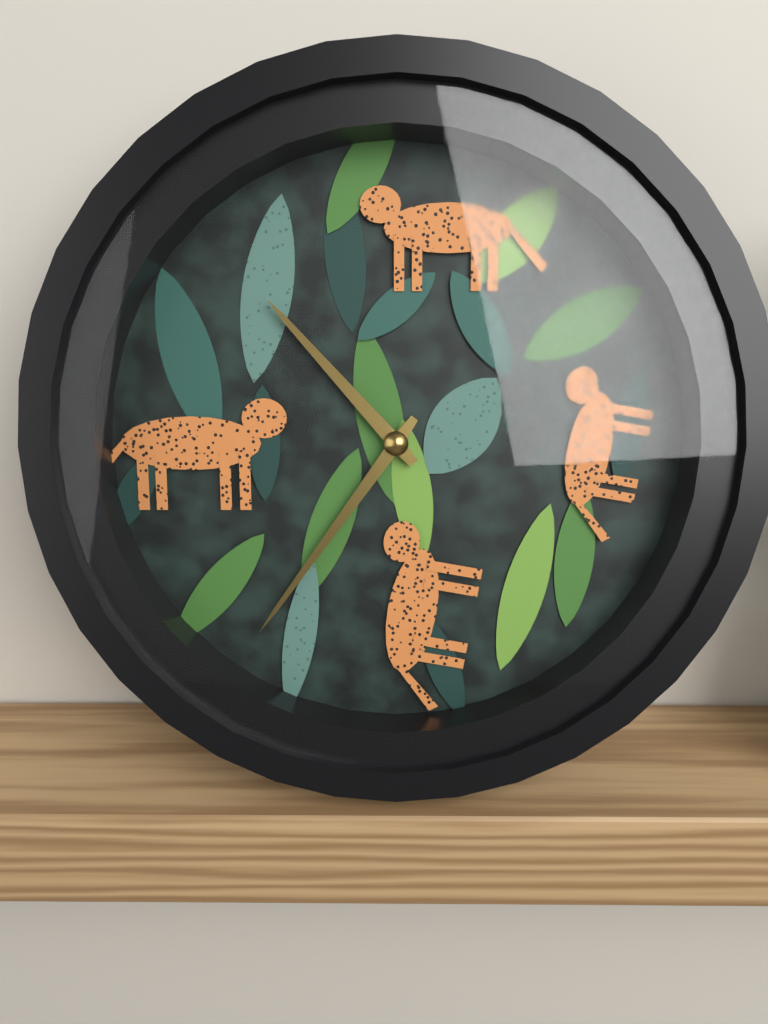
10:36
